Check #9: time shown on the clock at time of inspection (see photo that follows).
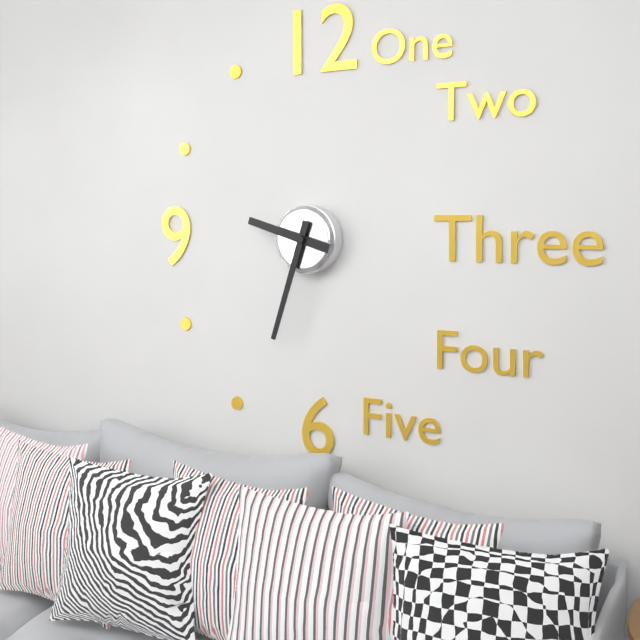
9:33
